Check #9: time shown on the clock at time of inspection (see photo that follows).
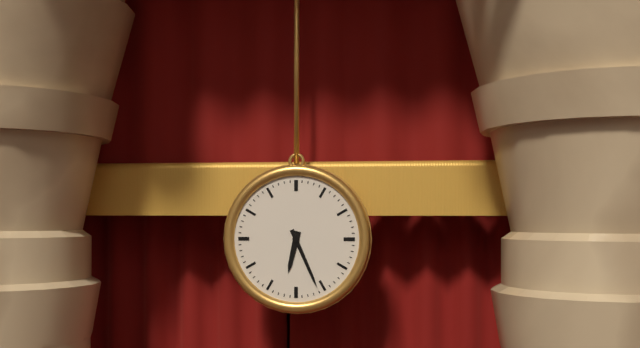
6:26
